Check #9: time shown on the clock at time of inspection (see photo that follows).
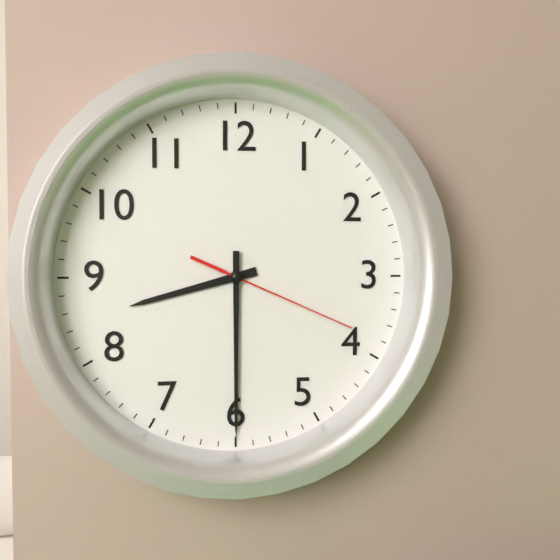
8:30:19
